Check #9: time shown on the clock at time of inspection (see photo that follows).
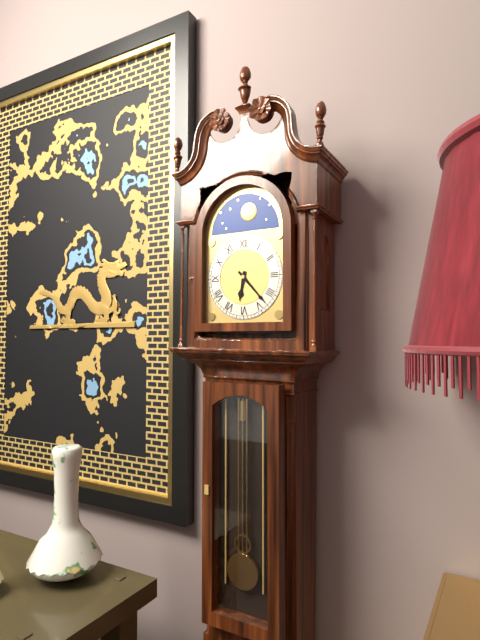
6:23
